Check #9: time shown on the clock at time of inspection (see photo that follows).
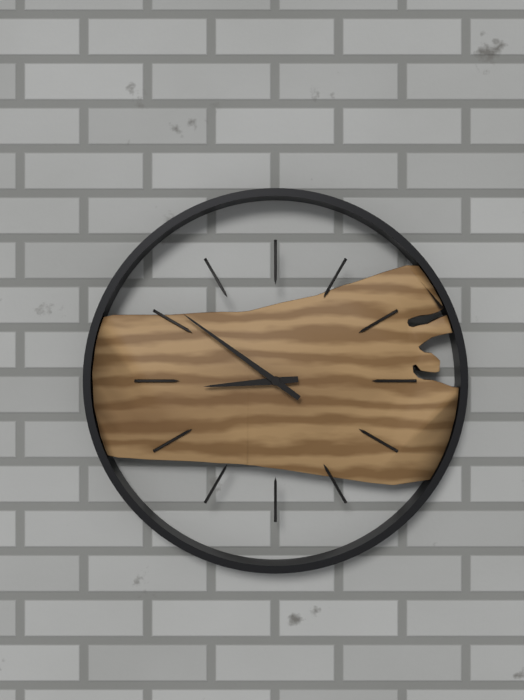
8:51
